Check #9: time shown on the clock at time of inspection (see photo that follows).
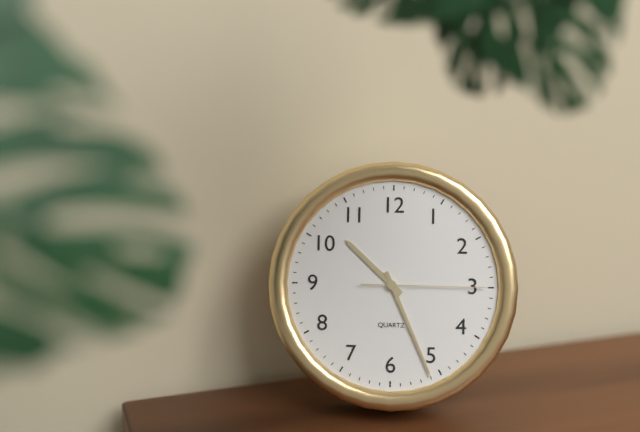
10:26:15
